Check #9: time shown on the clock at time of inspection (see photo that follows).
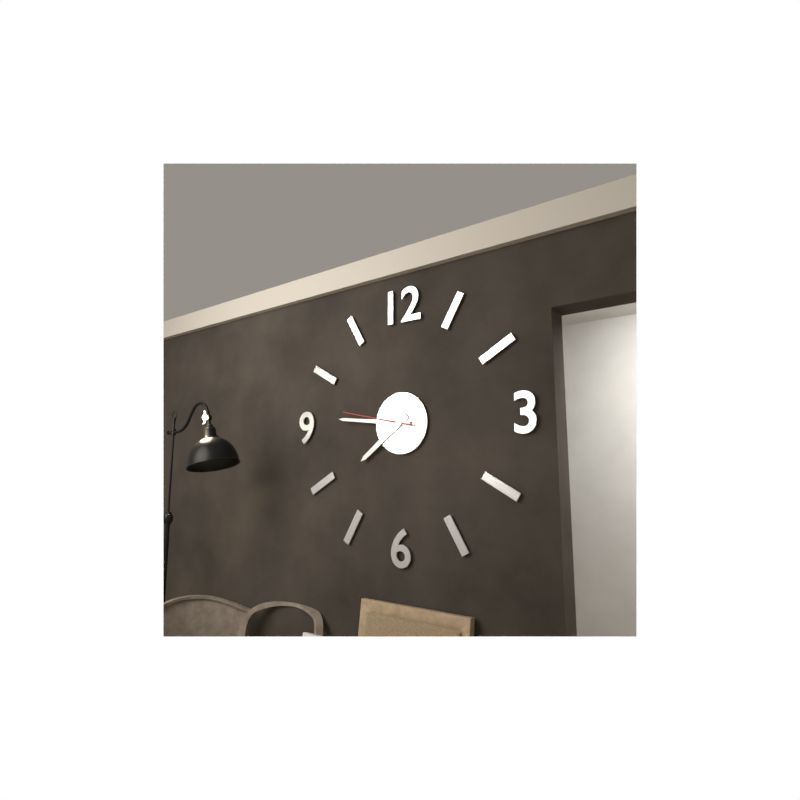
7:46:47
